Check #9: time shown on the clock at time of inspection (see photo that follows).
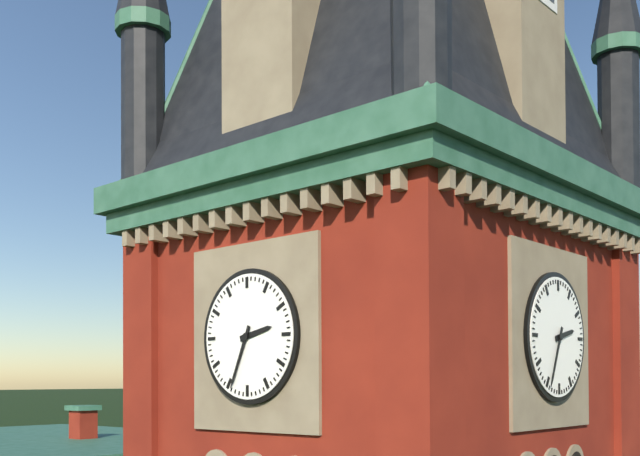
2:34
